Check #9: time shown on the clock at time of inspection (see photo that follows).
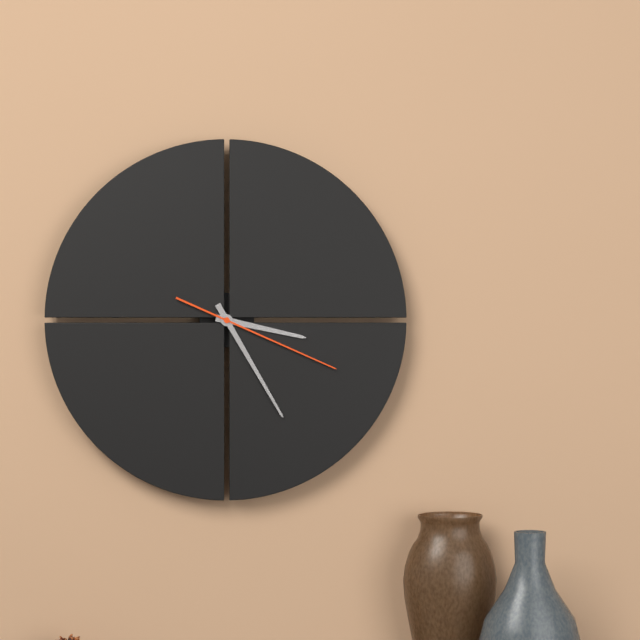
3:25:19
